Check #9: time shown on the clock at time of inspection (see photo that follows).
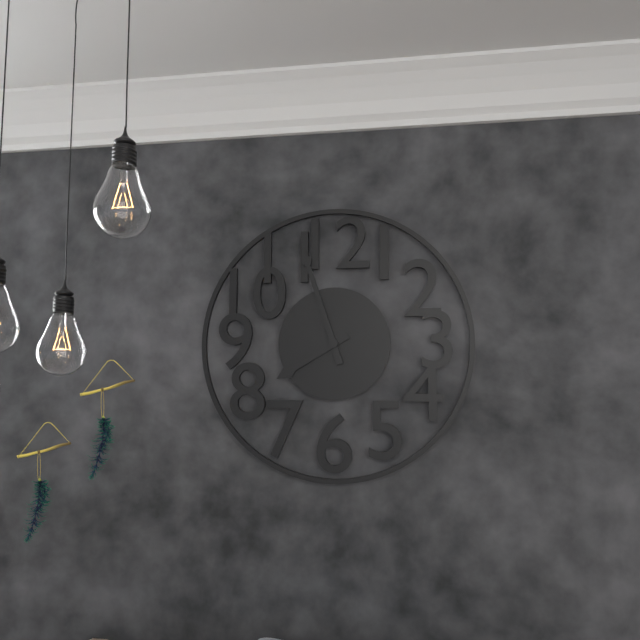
7:57
